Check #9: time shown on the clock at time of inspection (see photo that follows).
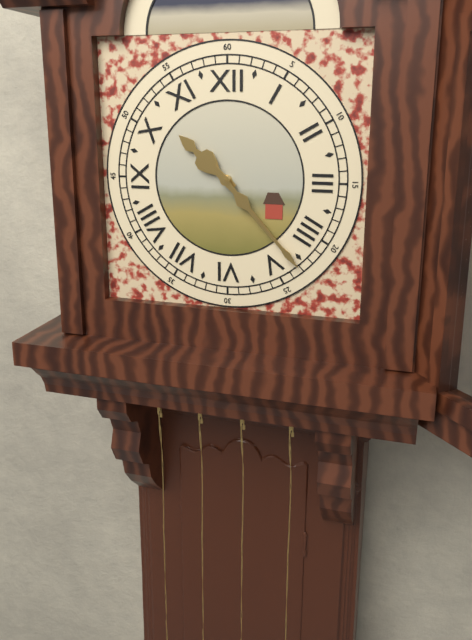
10:23
